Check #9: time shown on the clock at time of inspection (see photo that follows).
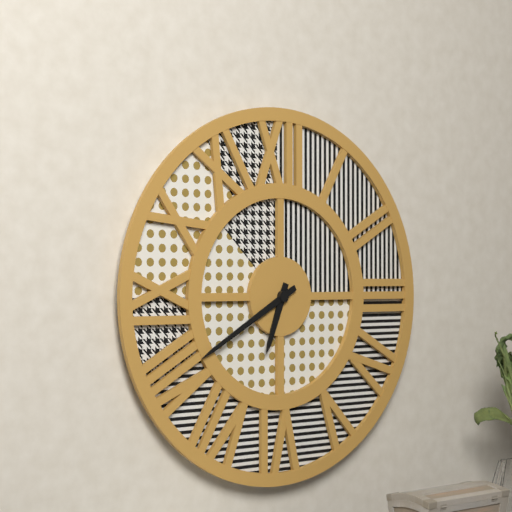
6:40
